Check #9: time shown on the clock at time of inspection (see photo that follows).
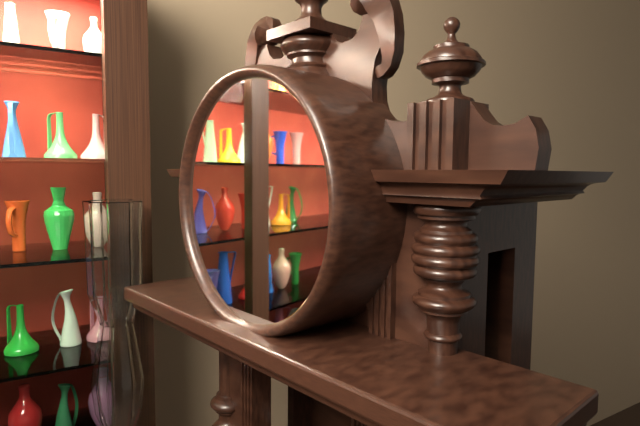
8:29
